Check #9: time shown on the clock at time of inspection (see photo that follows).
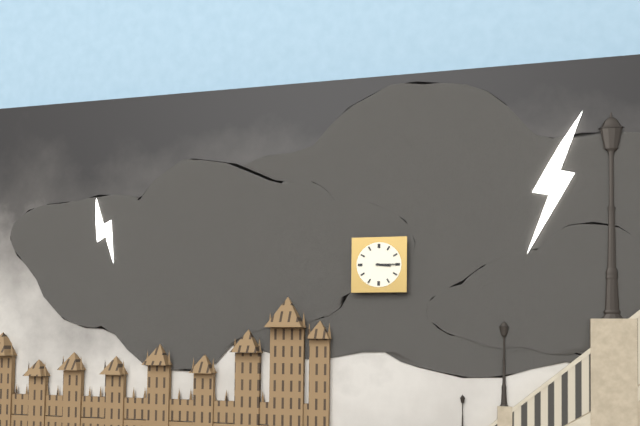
3:15
